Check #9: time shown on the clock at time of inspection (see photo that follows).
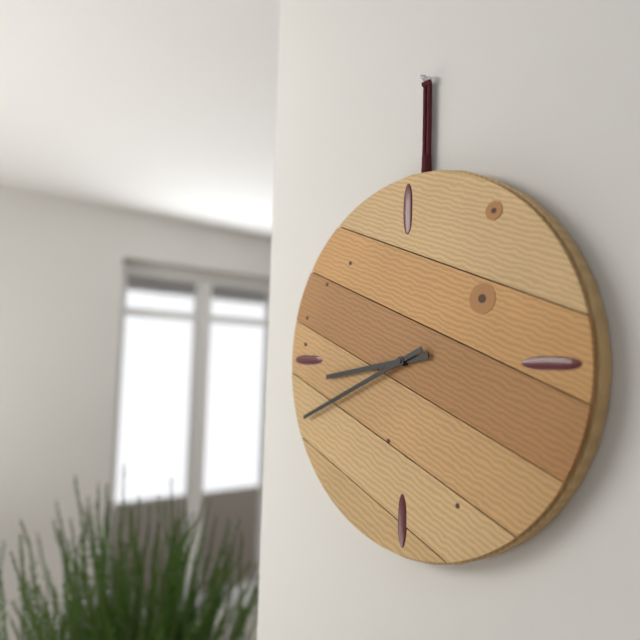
8:41
